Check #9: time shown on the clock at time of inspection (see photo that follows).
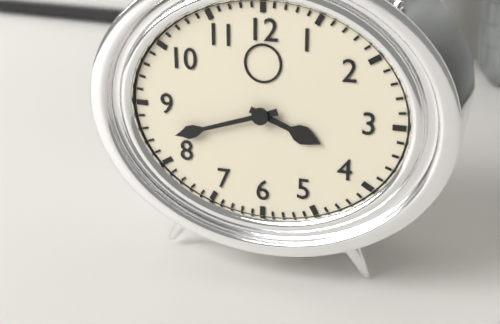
3:42
